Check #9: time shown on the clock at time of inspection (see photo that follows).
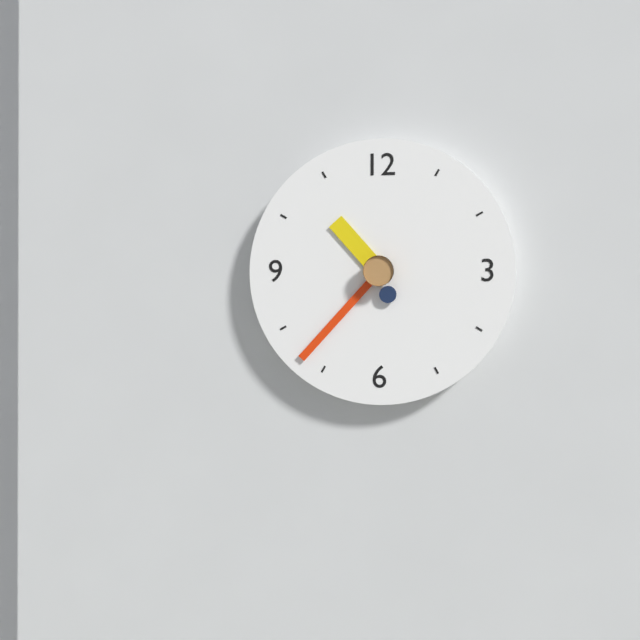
10:37
